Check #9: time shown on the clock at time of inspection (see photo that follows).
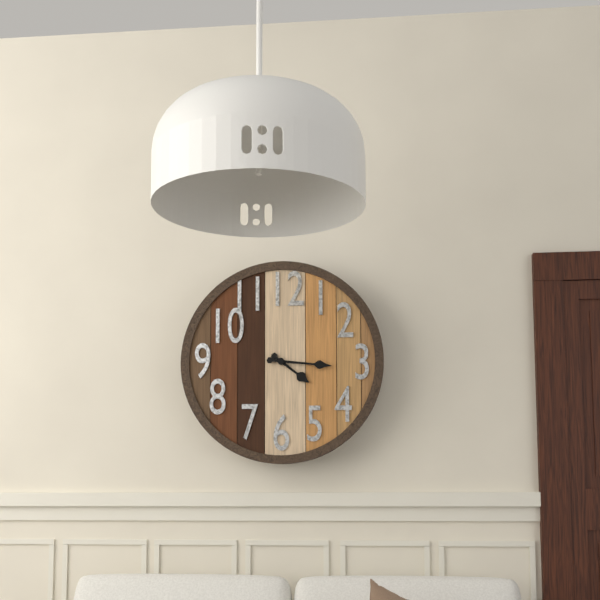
4:16
